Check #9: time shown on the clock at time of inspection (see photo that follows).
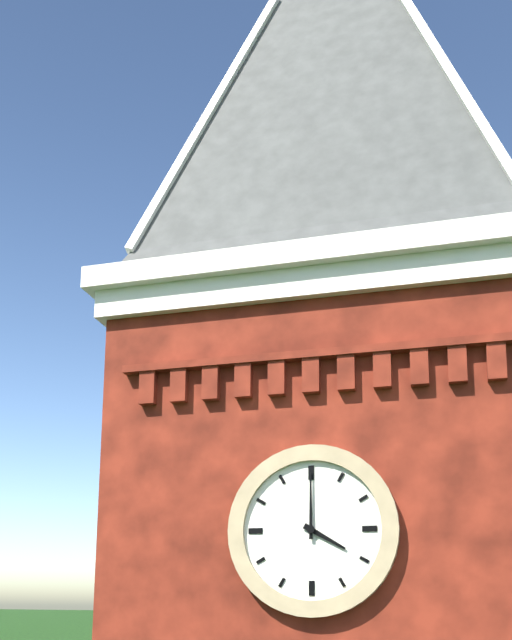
4:00
